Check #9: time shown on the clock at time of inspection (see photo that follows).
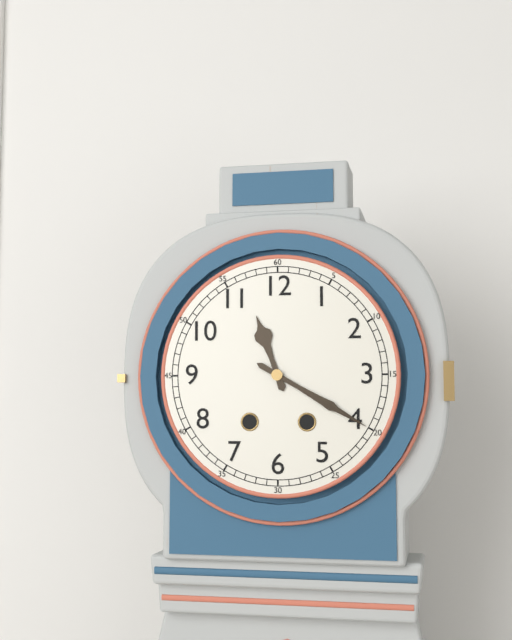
11:20
